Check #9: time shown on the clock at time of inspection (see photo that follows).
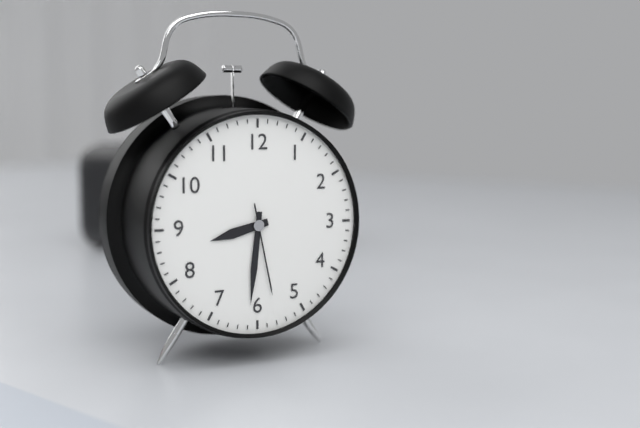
8:31:28
